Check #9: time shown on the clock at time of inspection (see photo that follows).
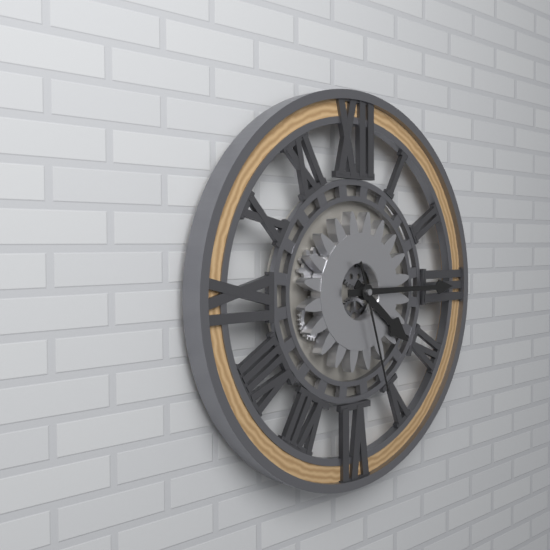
4:15:27
